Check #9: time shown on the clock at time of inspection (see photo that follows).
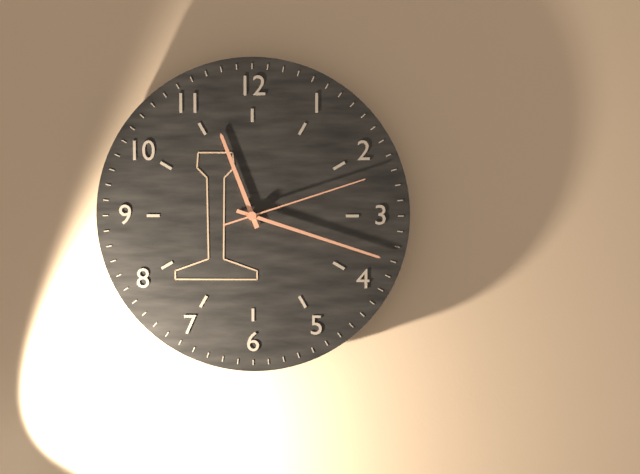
11:18:12
